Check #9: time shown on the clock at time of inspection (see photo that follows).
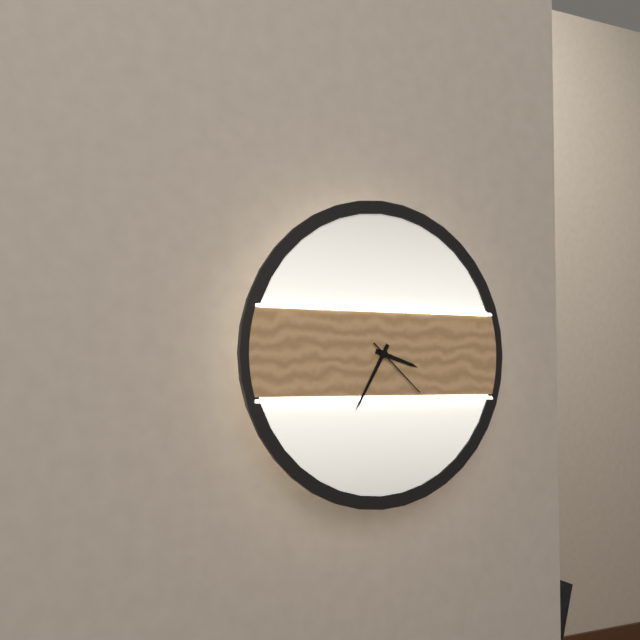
3:35:22
